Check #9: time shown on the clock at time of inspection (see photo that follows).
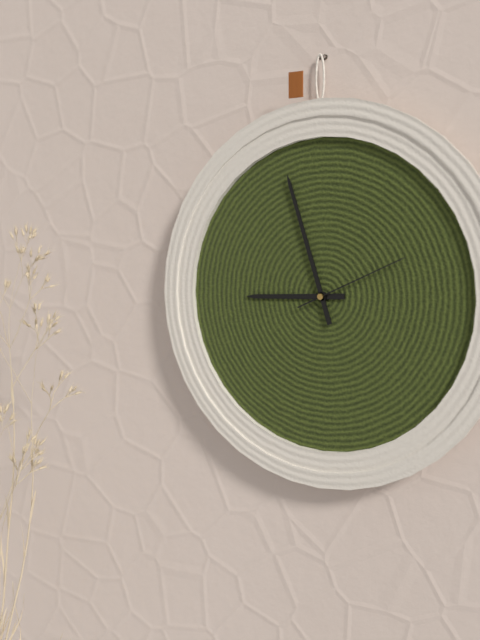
8:57:11
